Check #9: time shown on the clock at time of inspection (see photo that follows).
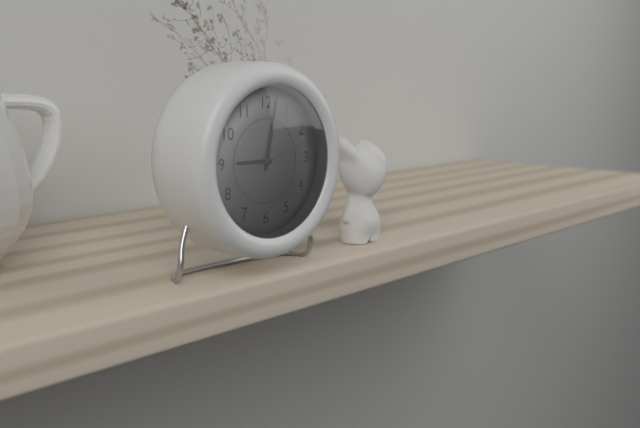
9:02:12
